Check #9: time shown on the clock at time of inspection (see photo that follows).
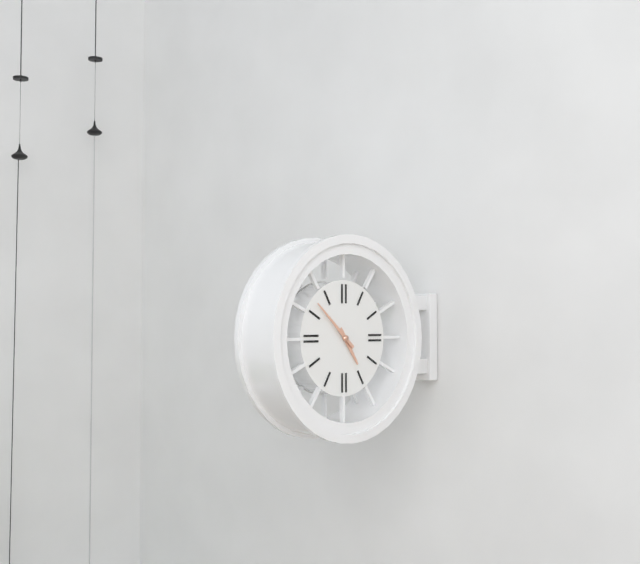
4:52
